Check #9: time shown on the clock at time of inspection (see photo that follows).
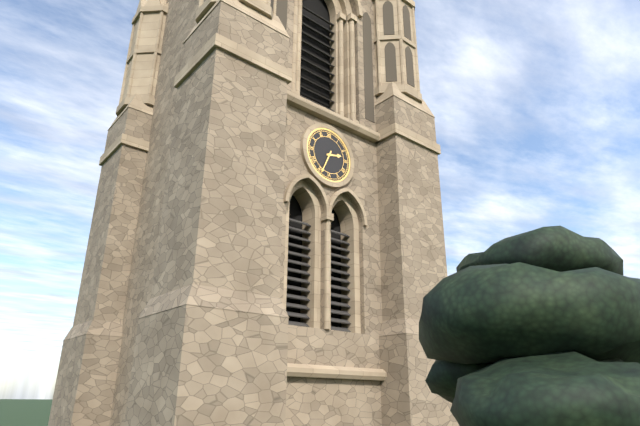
2:34
